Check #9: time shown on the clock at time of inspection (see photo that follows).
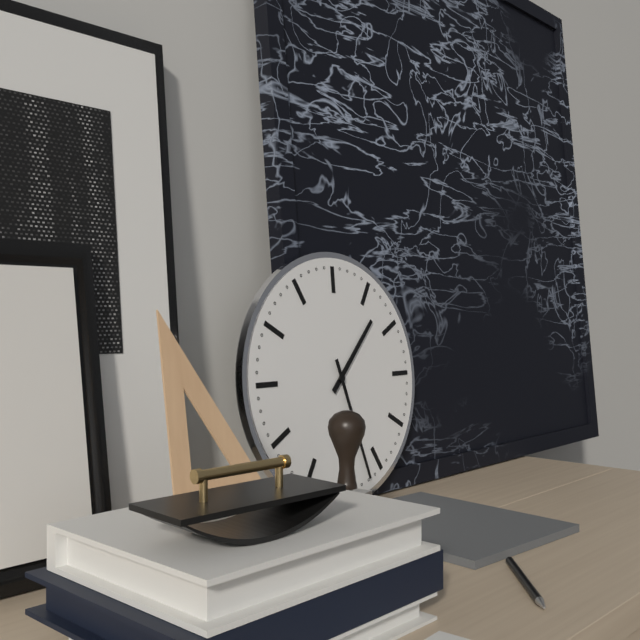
1:27
